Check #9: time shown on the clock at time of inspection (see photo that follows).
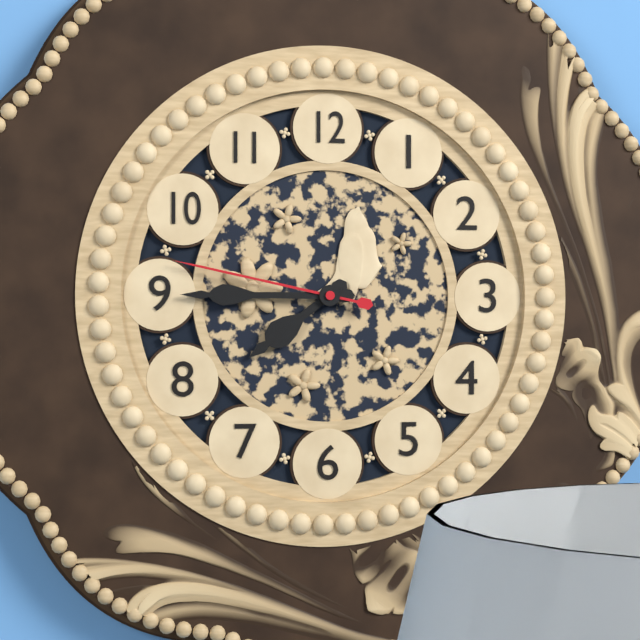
7:45:47
